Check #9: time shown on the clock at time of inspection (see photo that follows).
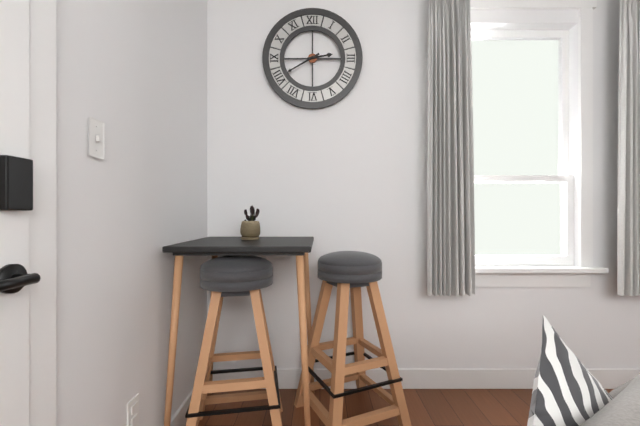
2:40
